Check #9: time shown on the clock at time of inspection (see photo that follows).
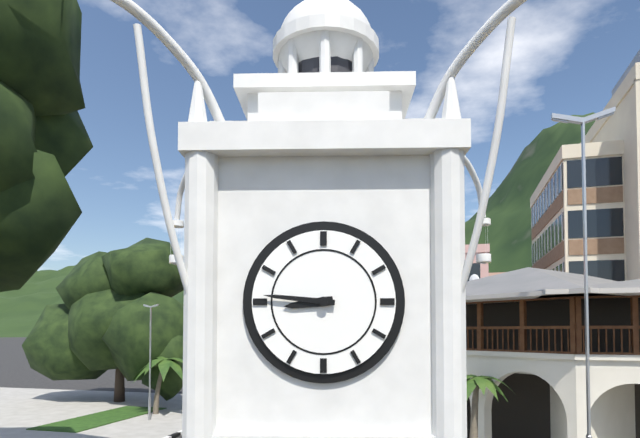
8:46
